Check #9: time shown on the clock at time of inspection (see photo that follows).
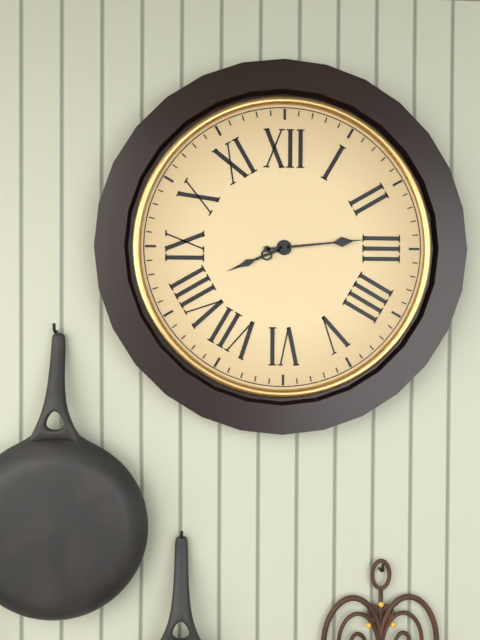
8:14
